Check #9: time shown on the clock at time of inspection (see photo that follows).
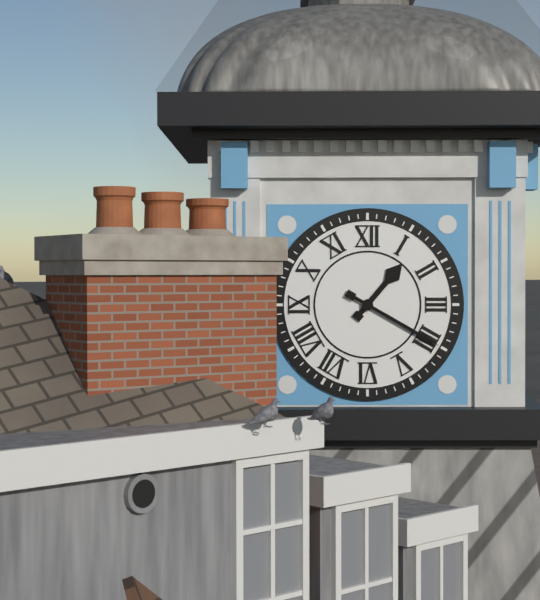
1:20
